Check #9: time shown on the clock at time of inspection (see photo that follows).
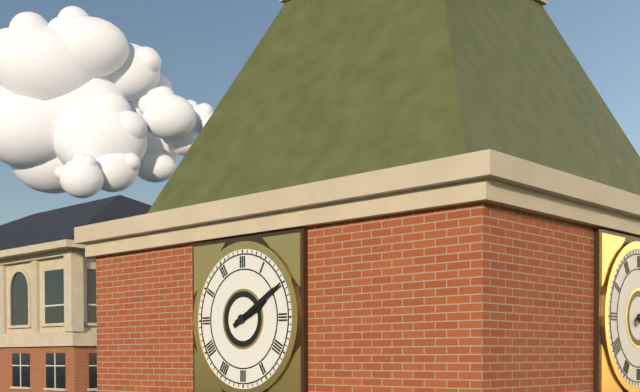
2:10
